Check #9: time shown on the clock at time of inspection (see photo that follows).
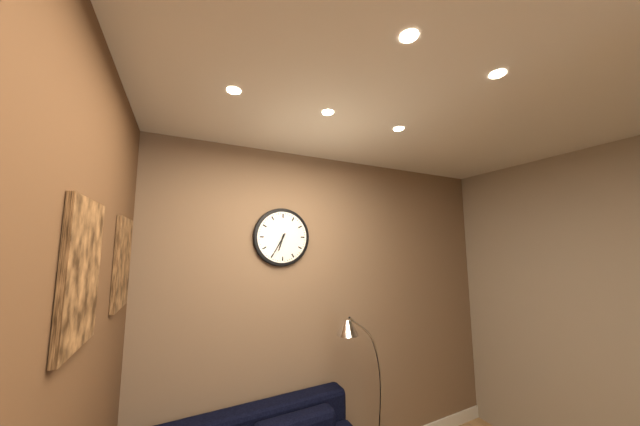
6:35
